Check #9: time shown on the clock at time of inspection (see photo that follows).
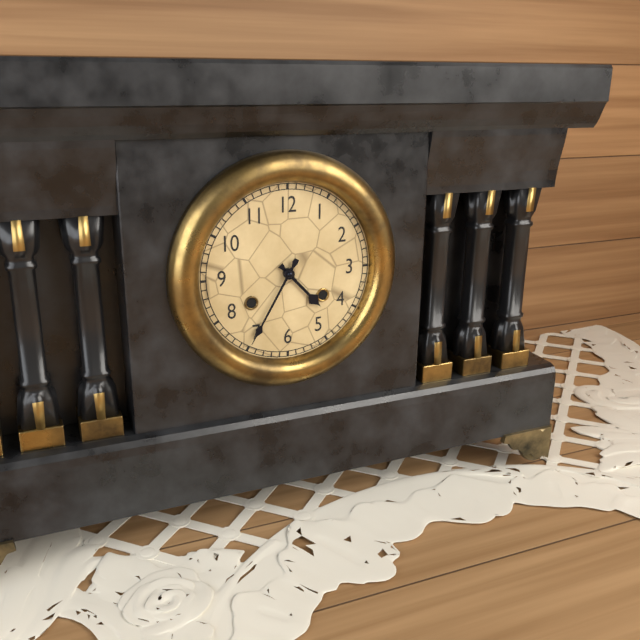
4:35
